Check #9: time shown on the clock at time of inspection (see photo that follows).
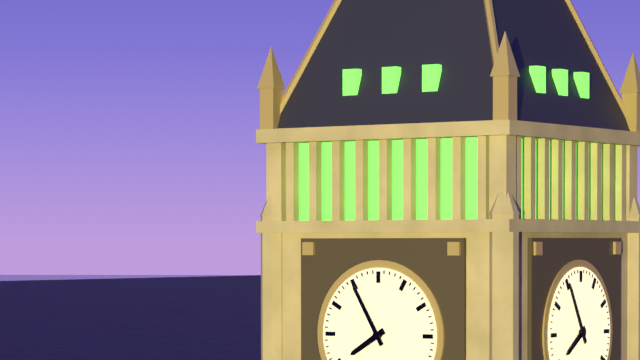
7:55
